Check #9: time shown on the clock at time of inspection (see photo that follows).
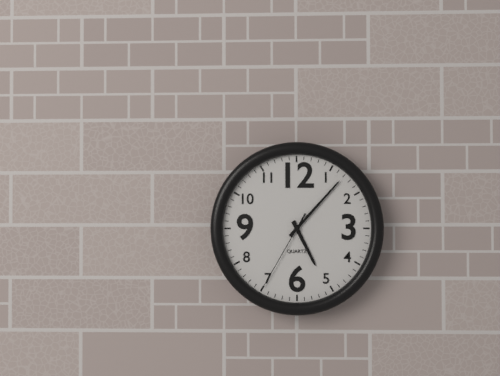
5:07:35
